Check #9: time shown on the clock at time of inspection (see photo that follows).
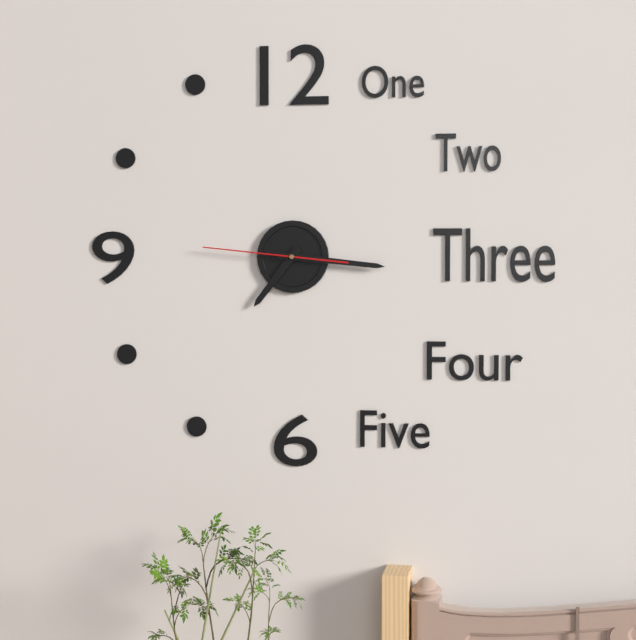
7:16:46
